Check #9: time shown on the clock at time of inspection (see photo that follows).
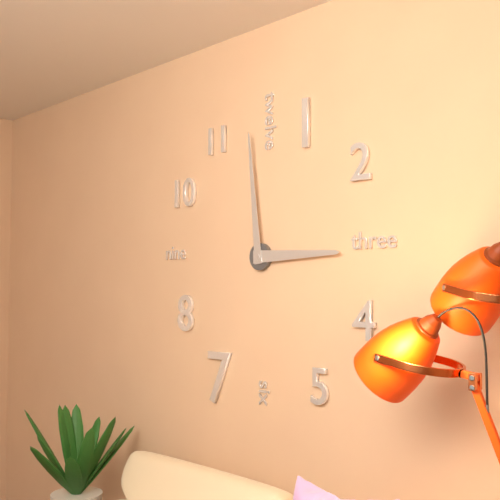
2:59
